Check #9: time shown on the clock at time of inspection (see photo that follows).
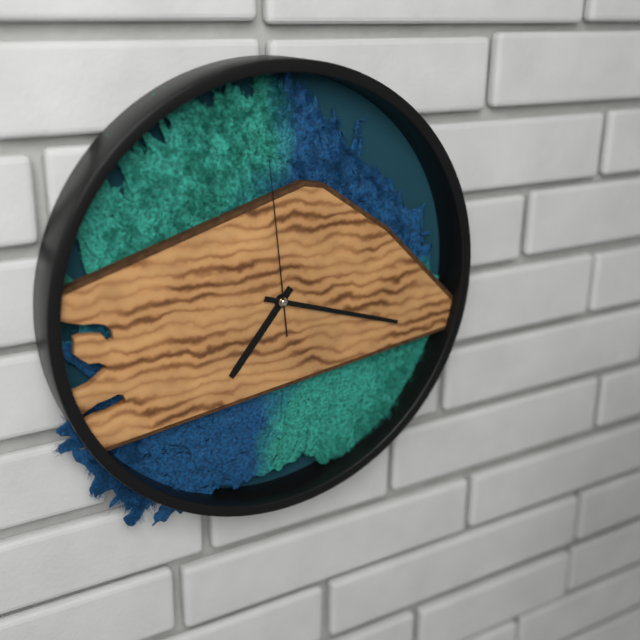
7:18:59
